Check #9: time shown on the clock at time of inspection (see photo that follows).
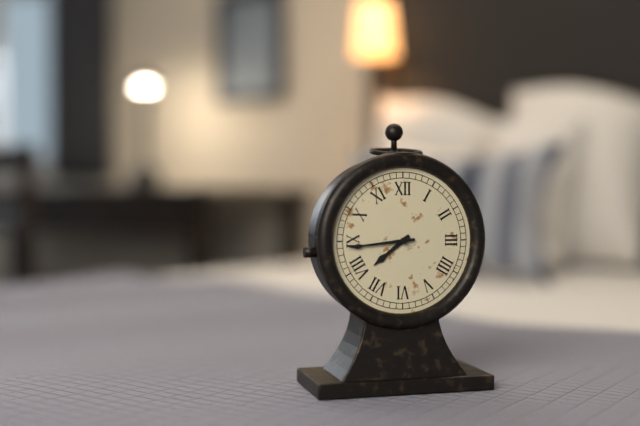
7:44
